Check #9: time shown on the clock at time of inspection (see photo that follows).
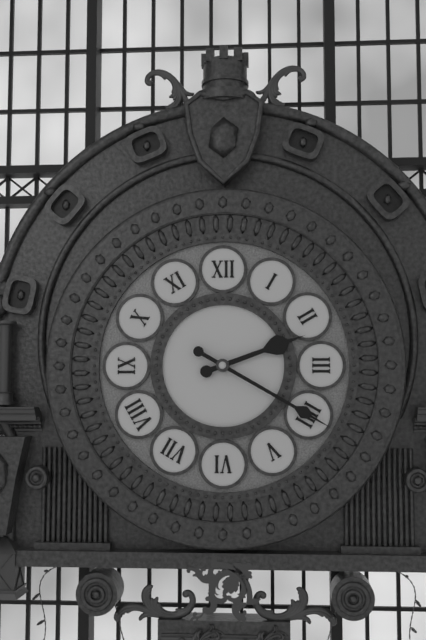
2:20
